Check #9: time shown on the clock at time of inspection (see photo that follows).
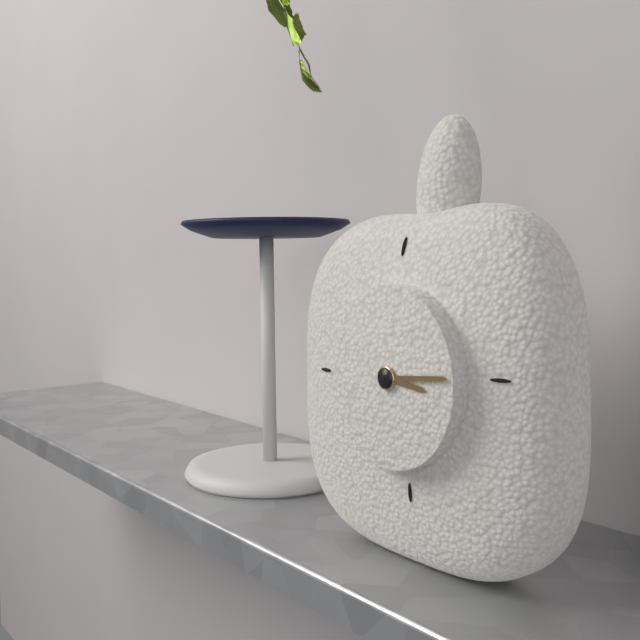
3:14
